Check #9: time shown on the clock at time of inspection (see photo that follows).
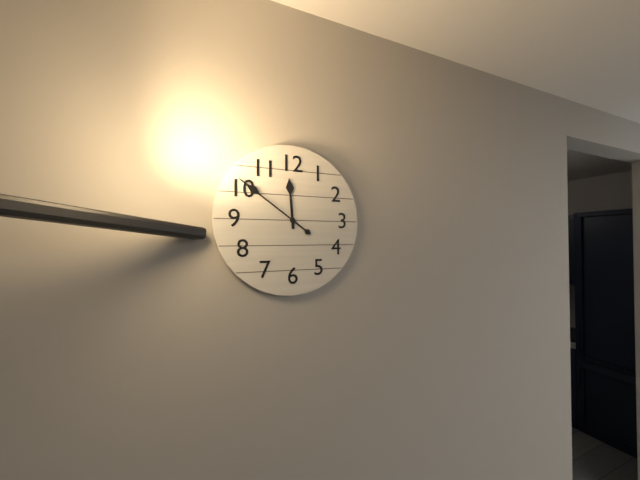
11:51
